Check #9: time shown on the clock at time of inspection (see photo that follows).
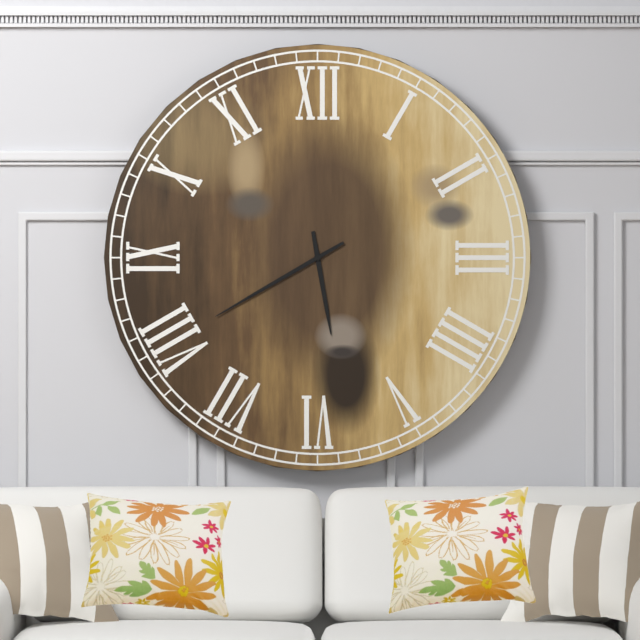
5:40
